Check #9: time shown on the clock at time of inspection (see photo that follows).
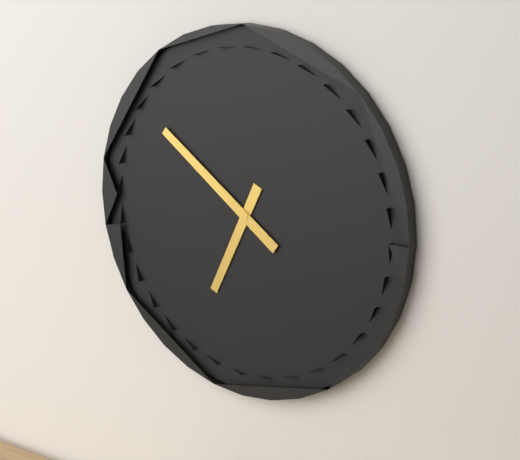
6:51
